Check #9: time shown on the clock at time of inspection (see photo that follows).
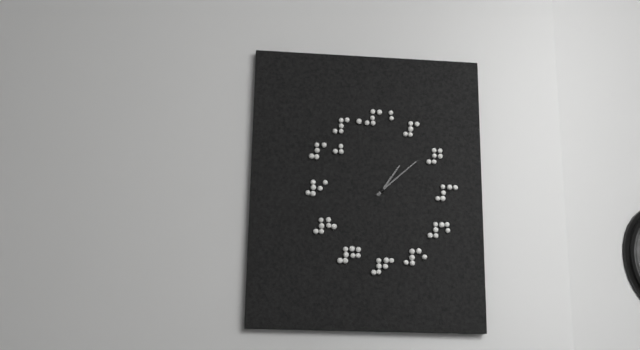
1:08
